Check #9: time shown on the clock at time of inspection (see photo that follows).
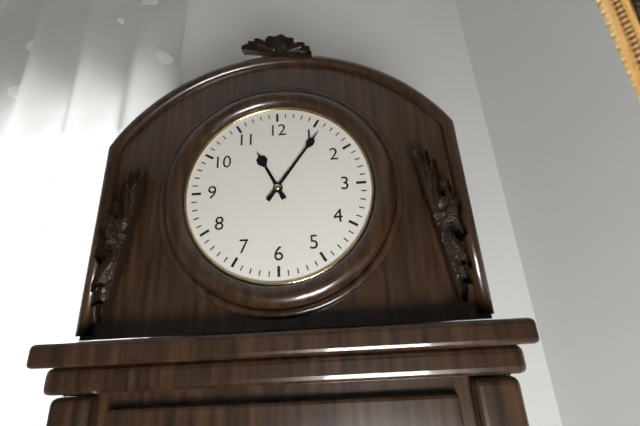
11:06
